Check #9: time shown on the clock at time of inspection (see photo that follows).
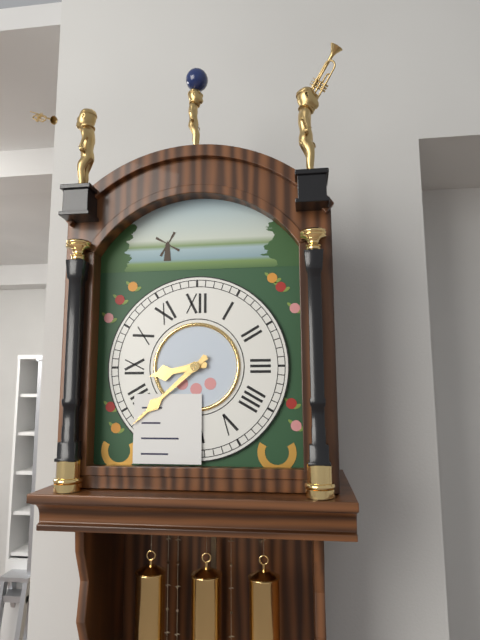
8:38
